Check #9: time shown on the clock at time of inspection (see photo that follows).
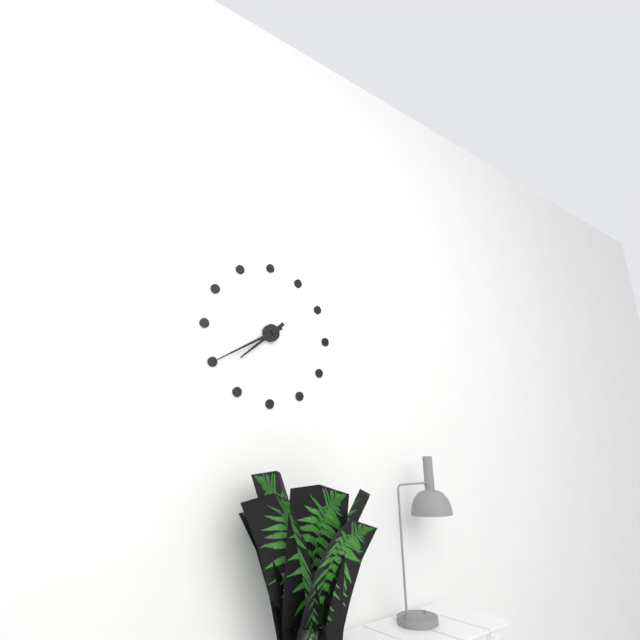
7:40
